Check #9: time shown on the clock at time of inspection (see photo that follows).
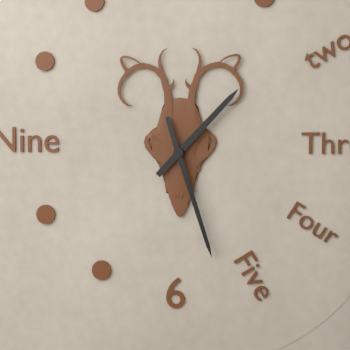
1:27
